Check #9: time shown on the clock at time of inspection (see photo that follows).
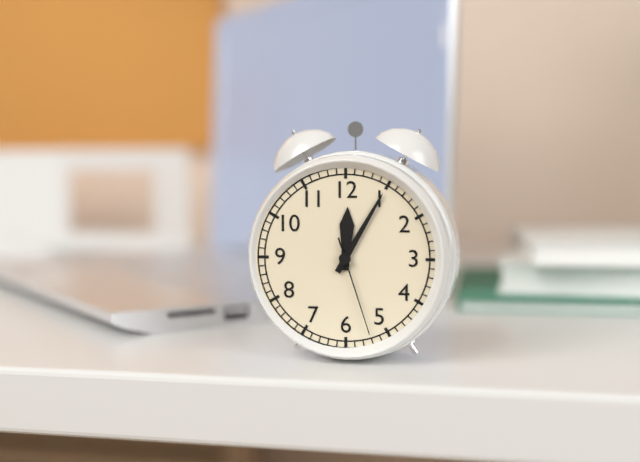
12:05:27
